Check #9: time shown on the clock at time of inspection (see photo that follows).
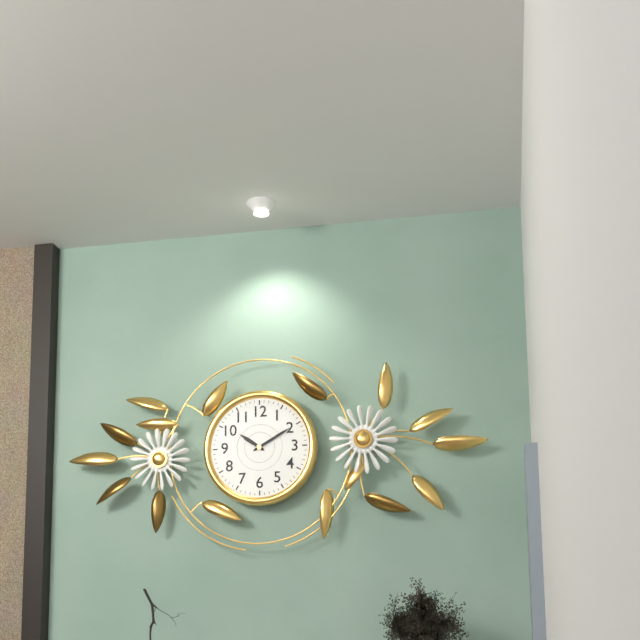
10:10
